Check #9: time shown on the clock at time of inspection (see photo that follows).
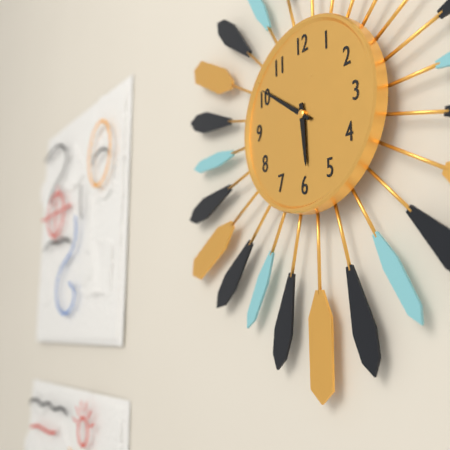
5:51
